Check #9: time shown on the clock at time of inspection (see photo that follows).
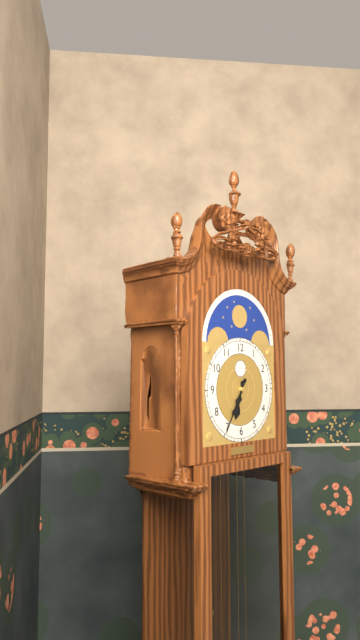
6:35
